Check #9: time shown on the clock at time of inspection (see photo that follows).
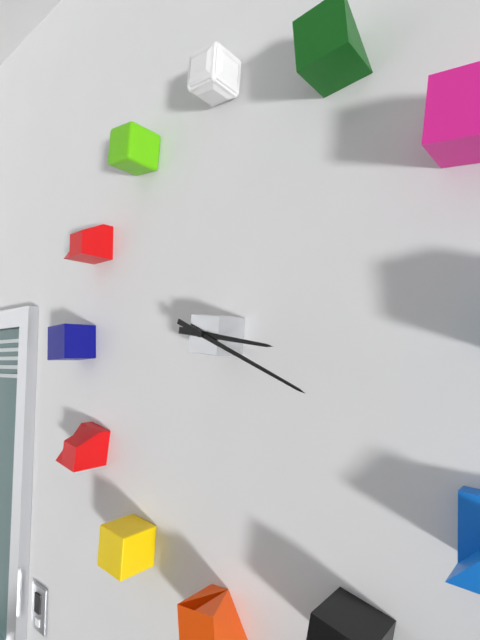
3:19
